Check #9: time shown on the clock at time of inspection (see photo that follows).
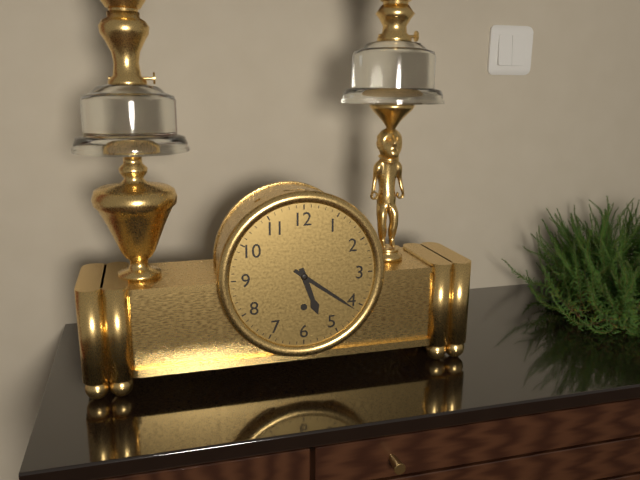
5:21
